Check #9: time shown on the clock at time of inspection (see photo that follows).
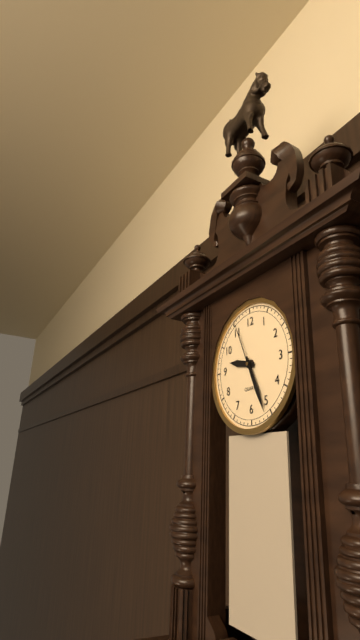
9:26:56
